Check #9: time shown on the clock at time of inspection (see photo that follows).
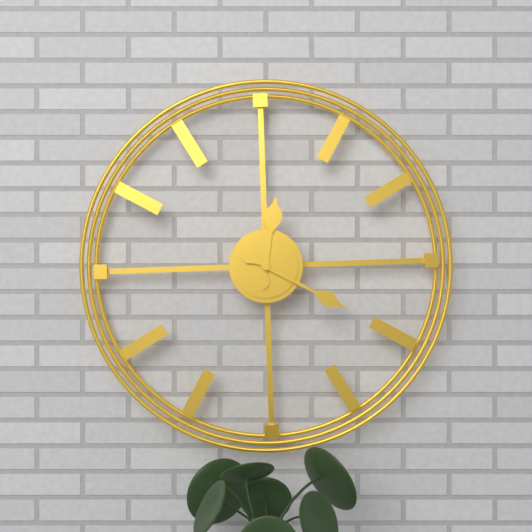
12:20
